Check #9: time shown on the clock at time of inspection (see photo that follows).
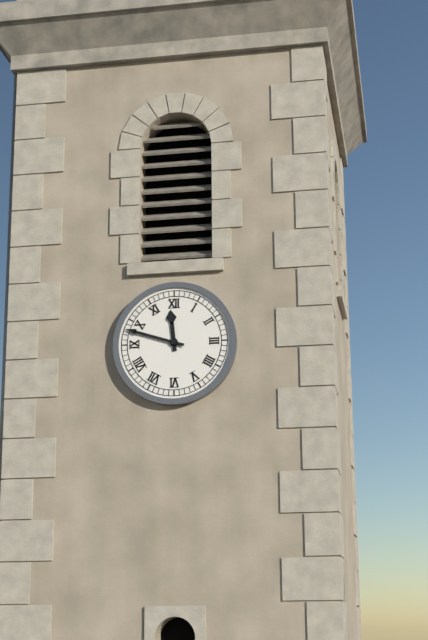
11:48
